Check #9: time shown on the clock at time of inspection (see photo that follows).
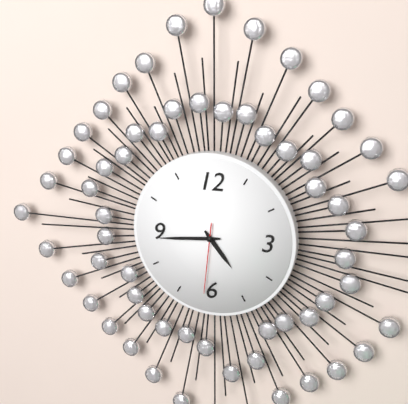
4:44:31
